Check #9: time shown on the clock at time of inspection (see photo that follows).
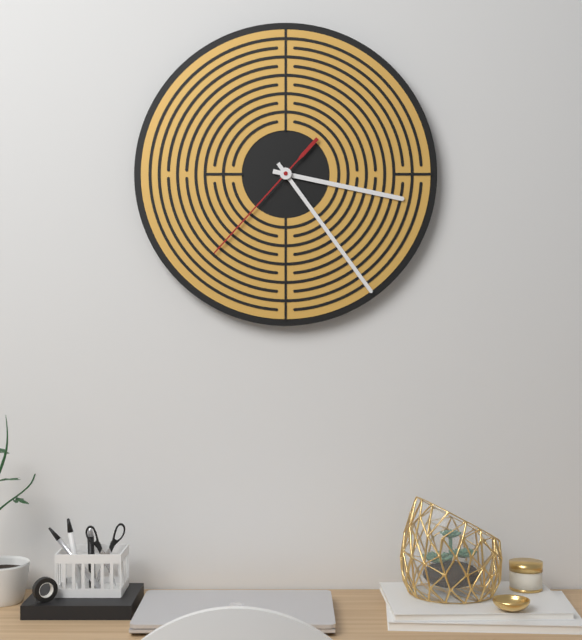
3:24:37
